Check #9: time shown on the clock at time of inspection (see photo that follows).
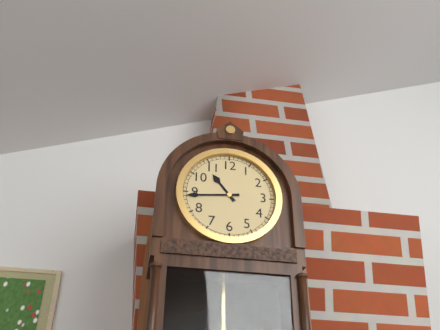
10:44
